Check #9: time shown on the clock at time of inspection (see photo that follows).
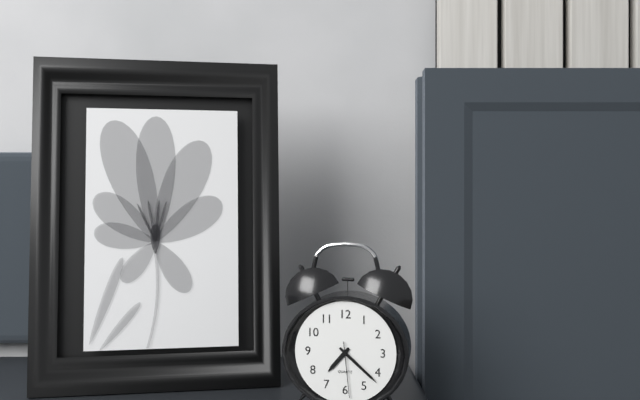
7:22:29
